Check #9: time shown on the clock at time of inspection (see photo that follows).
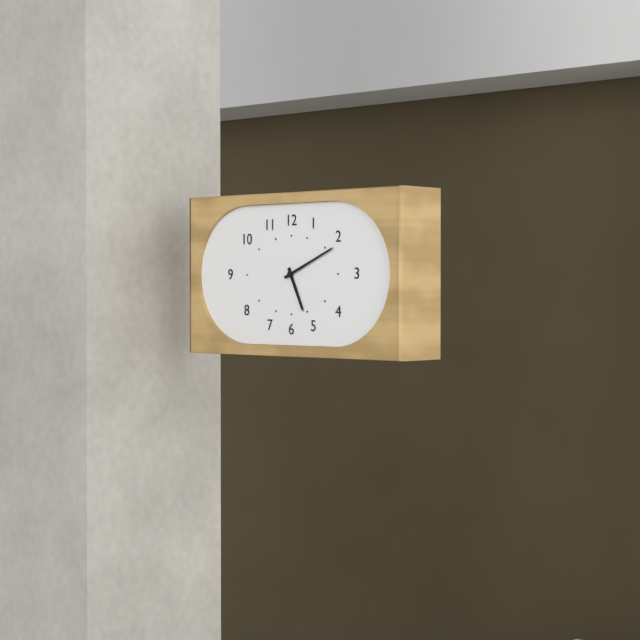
5:11
